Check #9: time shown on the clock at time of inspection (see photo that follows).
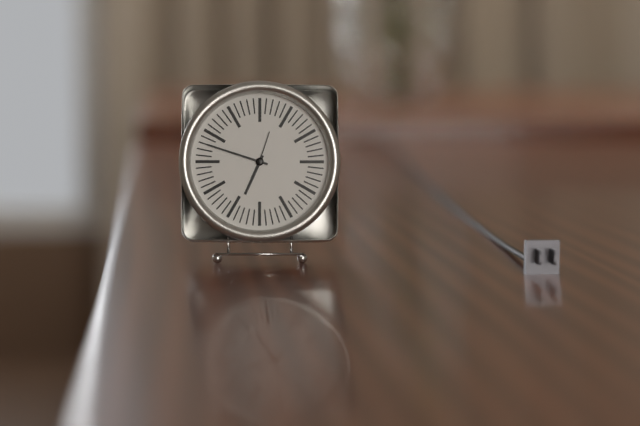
6:48
